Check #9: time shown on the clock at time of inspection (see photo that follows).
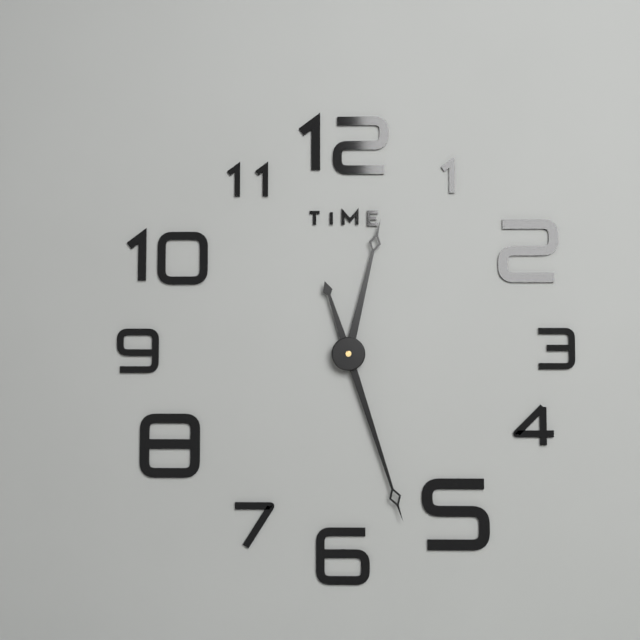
12:27
